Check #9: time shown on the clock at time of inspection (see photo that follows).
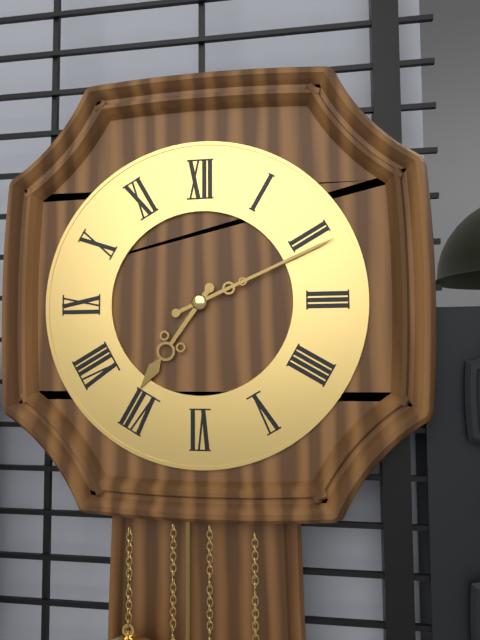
7:11
